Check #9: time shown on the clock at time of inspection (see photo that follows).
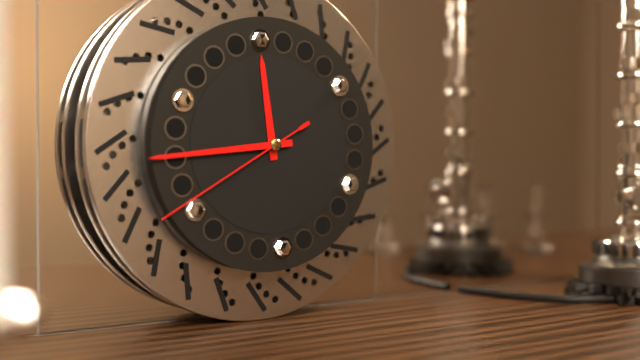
11:44:40
